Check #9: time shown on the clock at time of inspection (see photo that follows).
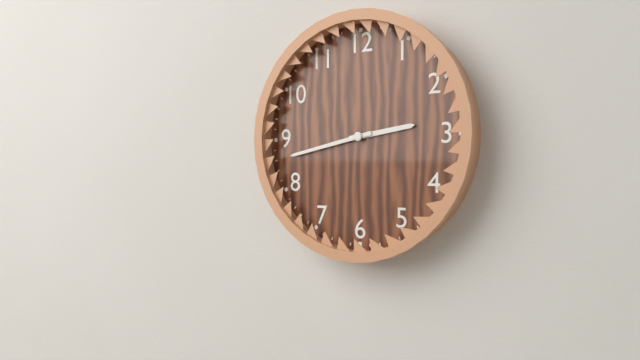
2:43
